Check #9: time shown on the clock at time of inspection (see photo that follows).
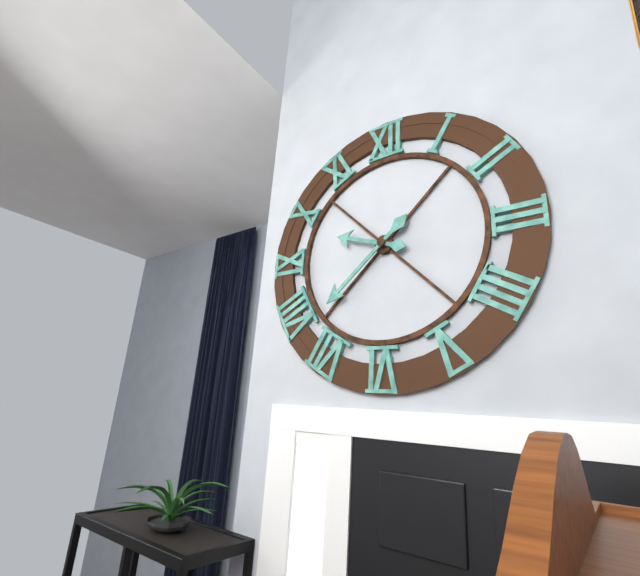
9:38
